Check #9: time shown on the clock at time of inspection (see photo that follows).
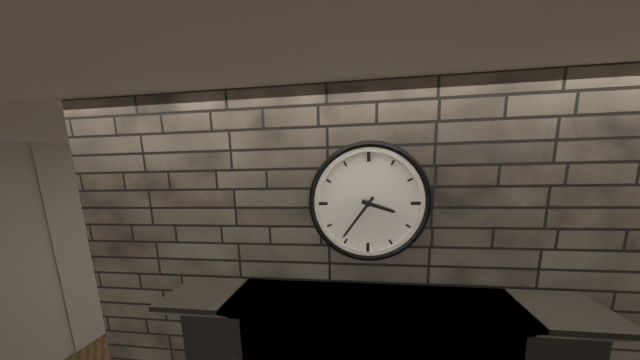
3:36
